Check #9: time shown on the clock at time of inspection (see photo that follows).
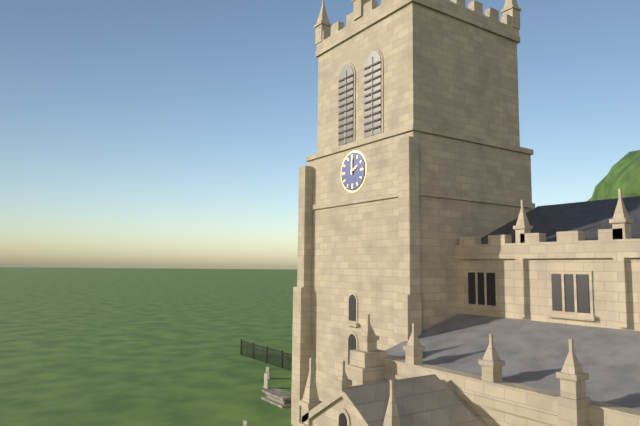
2:00
